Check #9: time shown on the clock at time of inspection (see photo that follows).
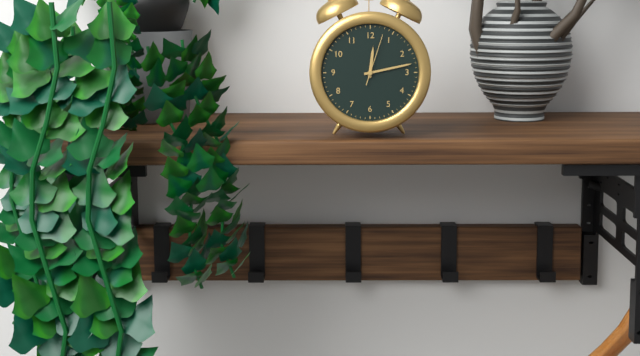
12:13:03
